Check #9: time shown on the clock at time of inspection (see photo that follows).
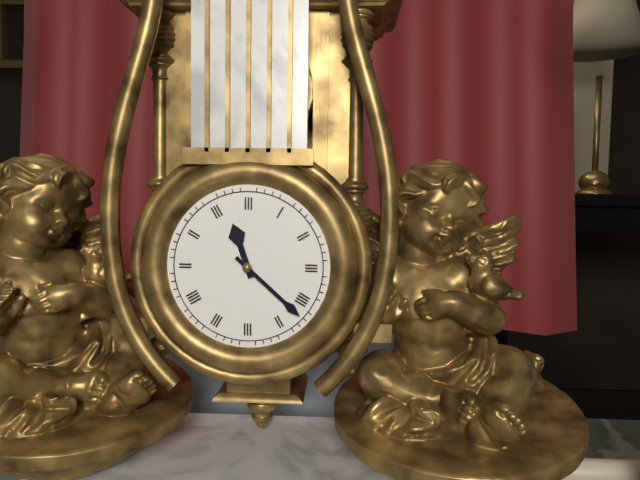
11:22
